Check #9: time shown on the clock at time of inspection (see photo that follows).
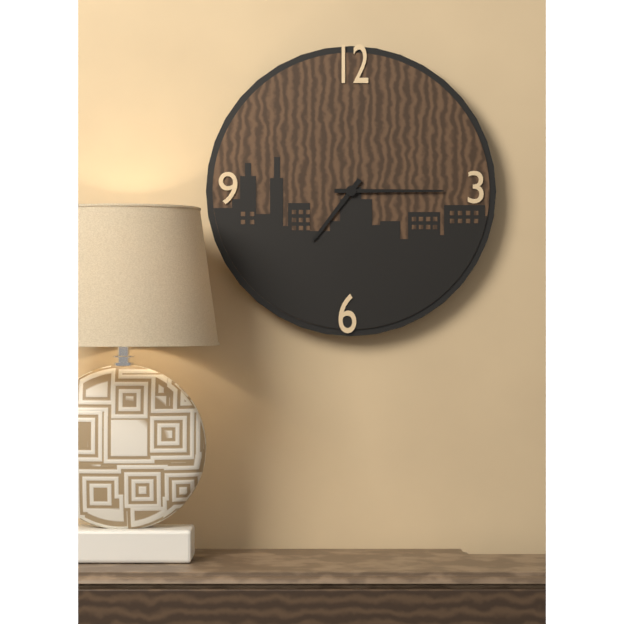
7:15
